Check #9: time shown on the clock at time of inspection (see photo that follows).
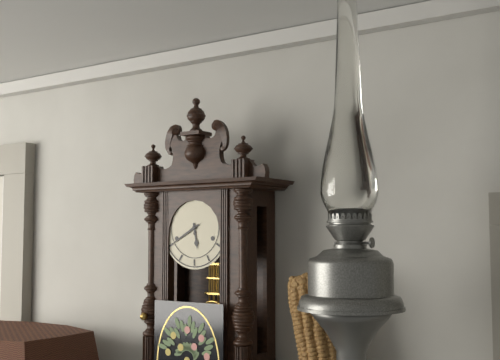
5:40
